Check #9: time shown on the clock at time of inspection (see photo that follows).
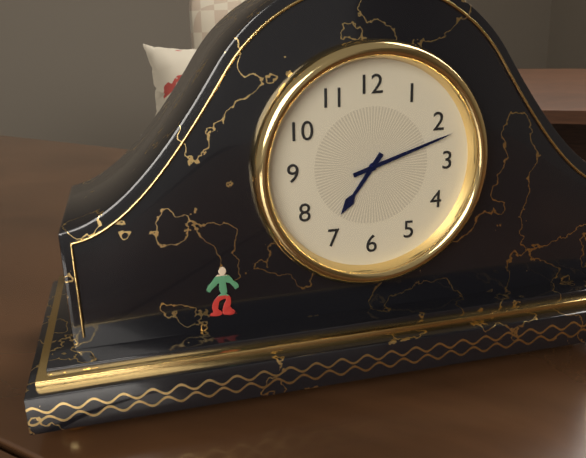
7:12
